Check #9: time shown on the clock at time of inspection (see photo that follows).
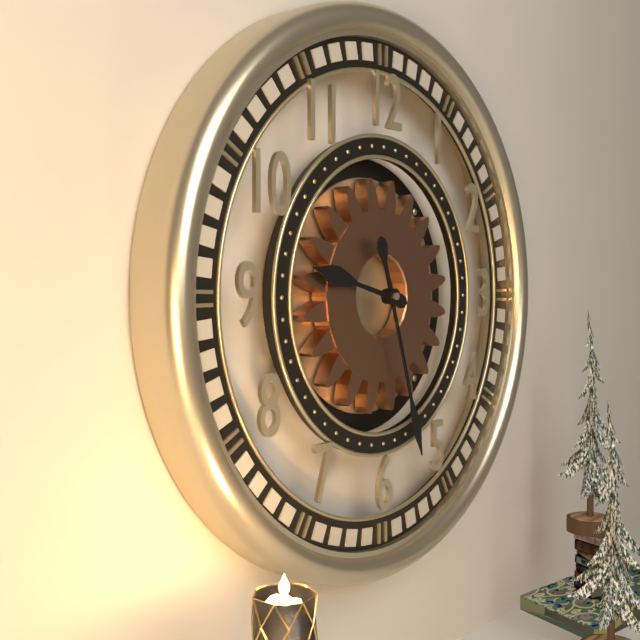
9:27
